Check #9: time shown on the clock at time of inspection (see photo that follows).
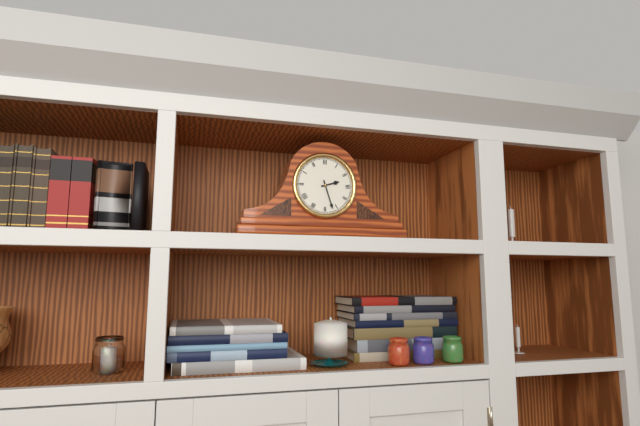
2:27
